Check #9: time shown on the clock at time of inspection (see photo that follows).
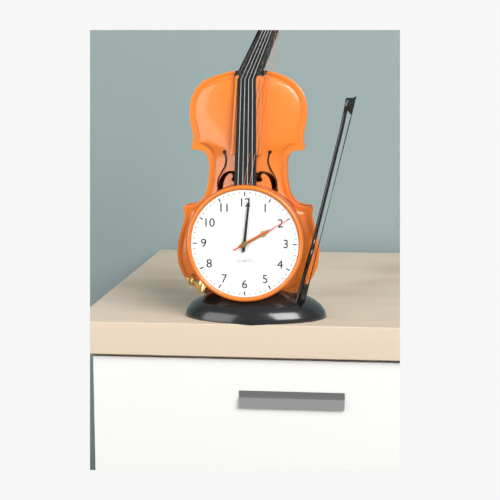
2:01:10
